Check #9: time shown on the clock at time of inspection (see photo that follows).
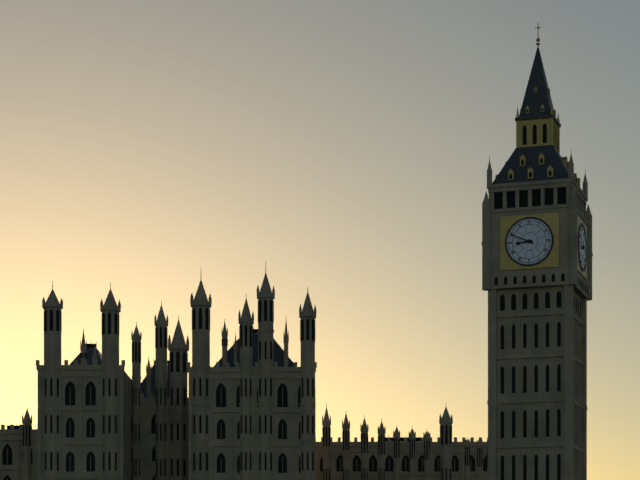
8:49
